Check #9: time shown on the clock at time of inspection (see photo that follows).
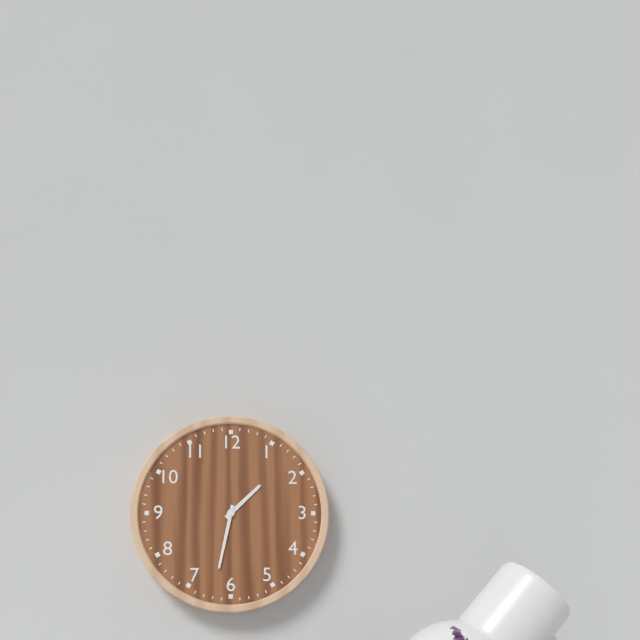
1:32
